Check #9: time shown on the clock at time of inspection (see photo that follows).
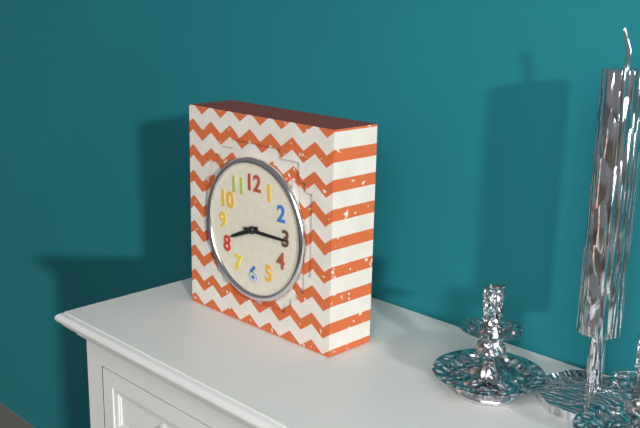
8:15
